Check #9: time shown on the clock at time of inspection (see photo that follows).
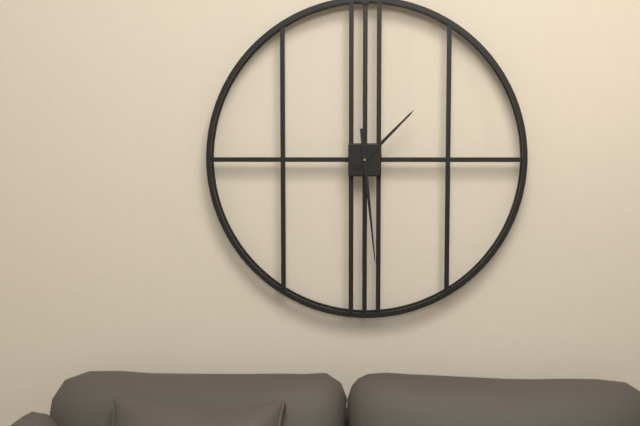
1:29
